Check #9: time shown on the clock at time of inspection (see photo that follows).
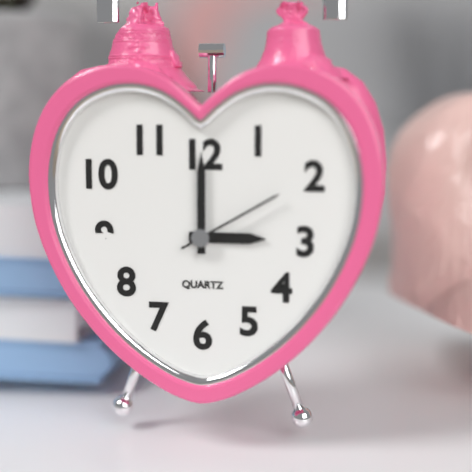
3:00:10
